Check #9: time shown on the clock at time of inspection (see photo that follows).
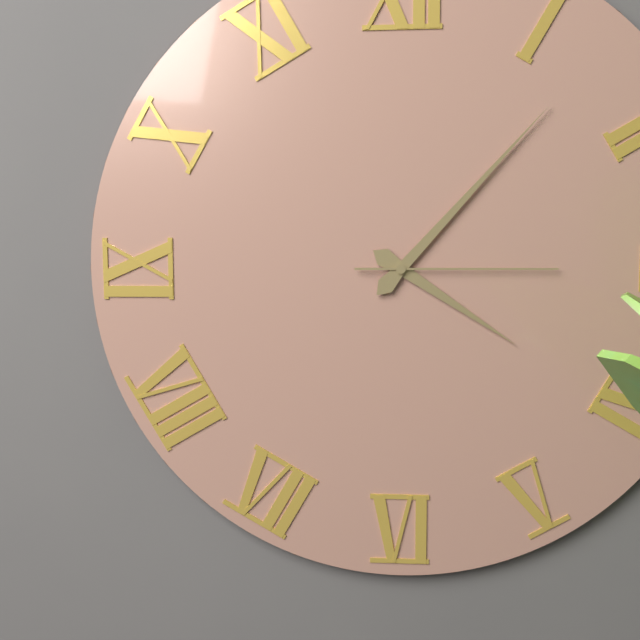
4:07:15
